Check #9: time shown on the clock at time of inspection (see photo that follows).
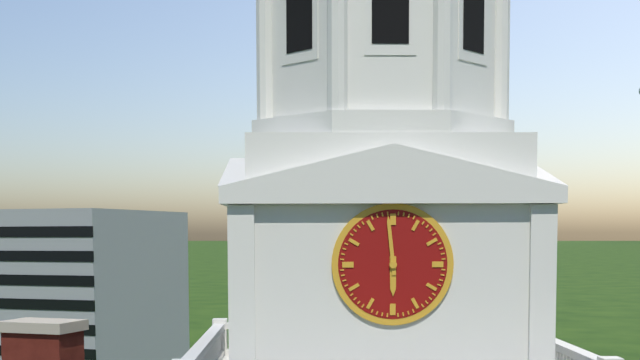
5:59
